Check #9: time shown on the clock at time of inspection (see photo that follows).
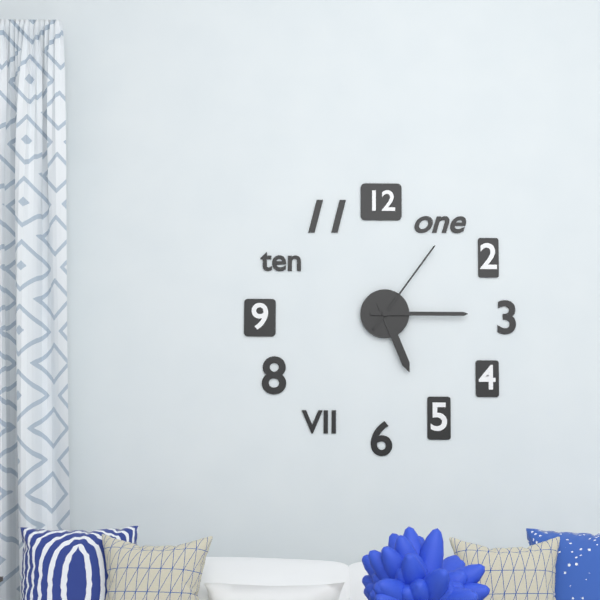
5:15:06
